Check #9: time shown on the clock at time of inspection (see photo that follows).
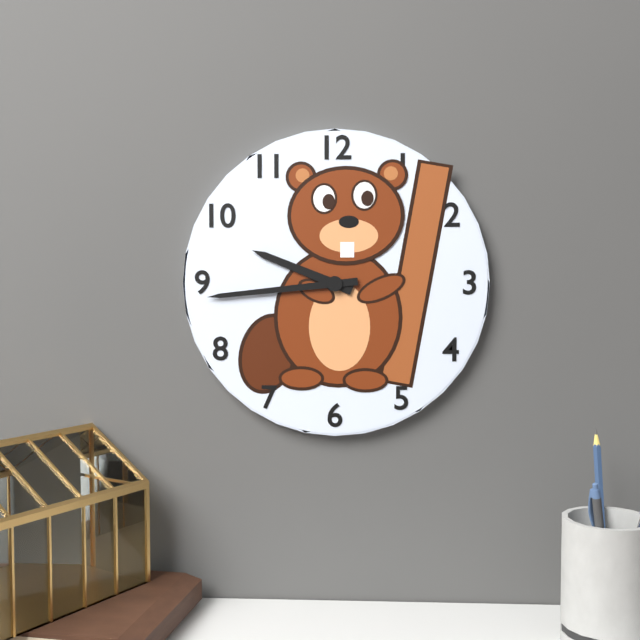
9:44
